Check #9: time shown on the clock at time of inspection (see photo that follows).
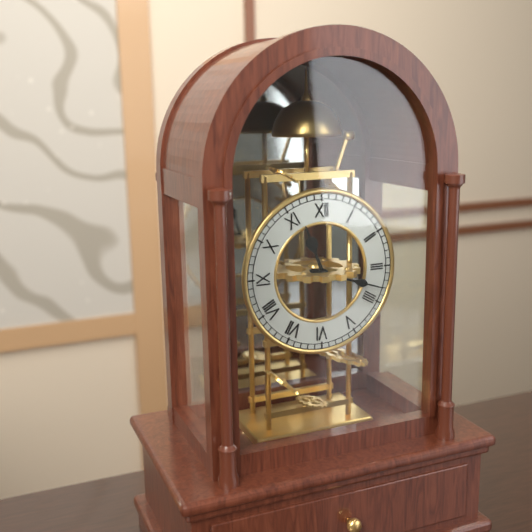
11:18
